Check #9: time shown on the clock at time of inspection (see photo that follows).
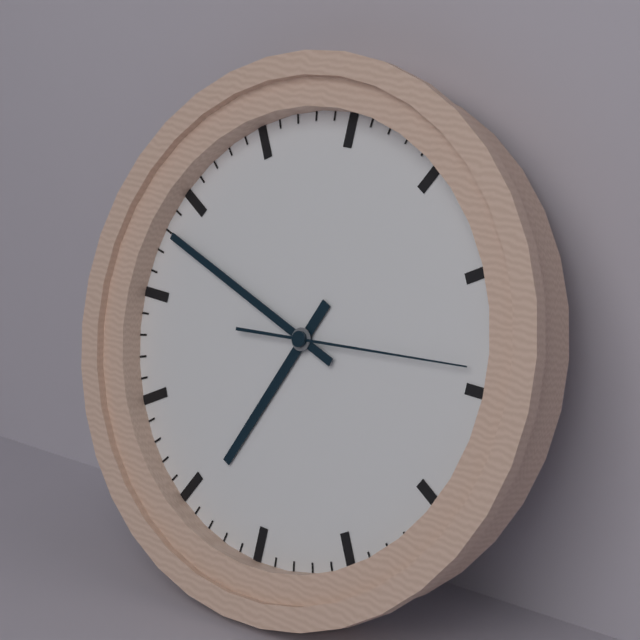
6:48:14
